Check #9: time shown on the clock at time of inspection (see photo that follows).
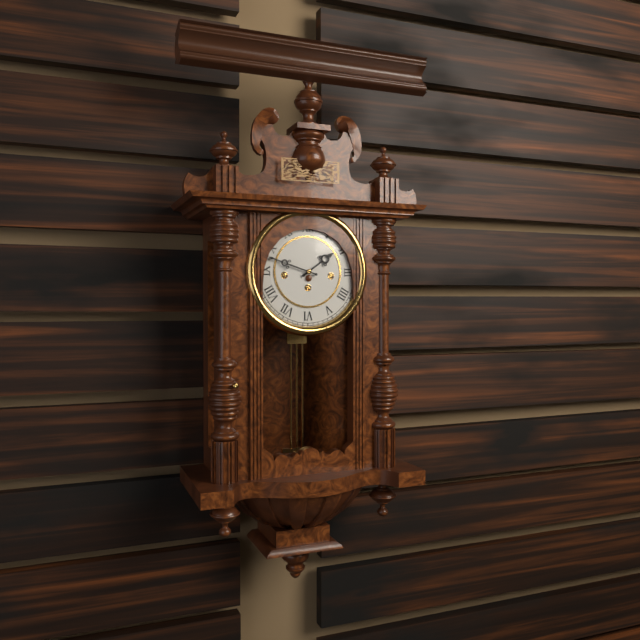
1:48
